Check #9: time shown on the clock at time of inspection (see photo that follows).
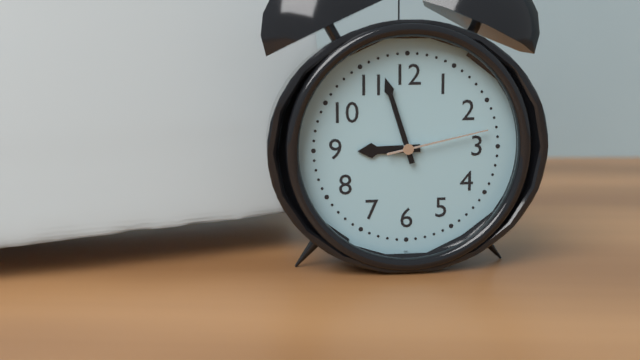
8:57:13
